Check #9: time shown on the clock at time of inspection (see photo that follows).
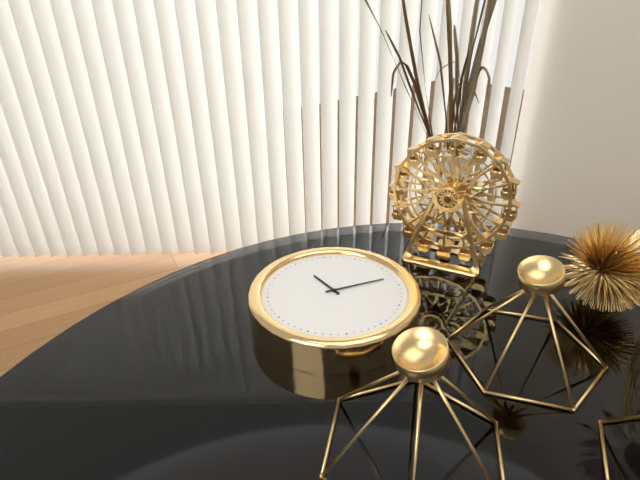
9:03
